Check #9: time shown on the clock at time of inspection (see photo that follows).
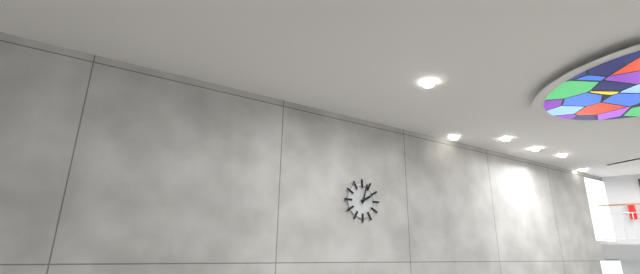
2:03
